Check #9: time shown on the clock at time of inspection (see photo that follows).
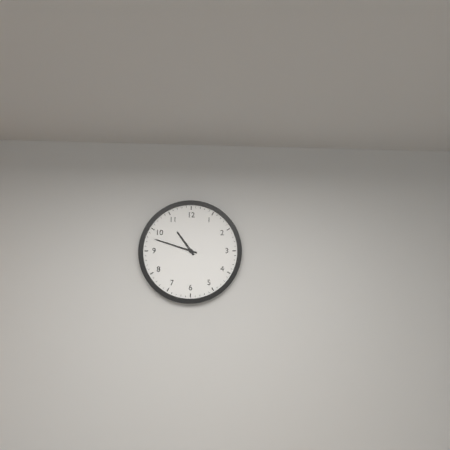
10:48
